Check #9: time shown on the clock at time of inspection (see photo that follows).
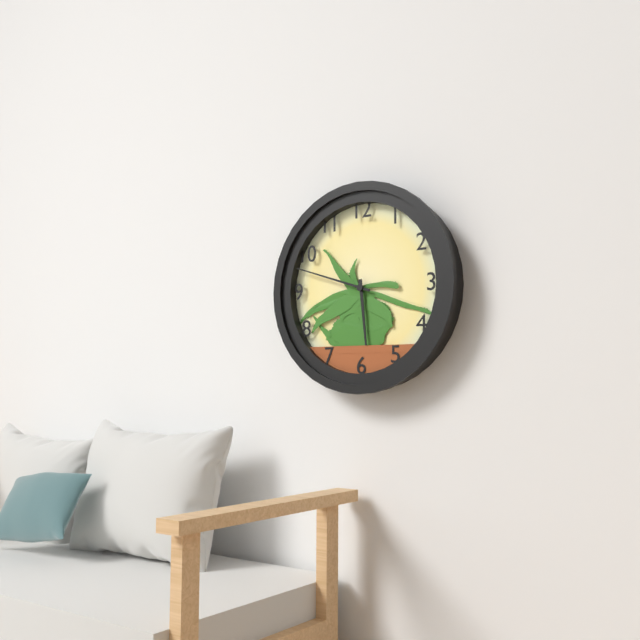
5:48
